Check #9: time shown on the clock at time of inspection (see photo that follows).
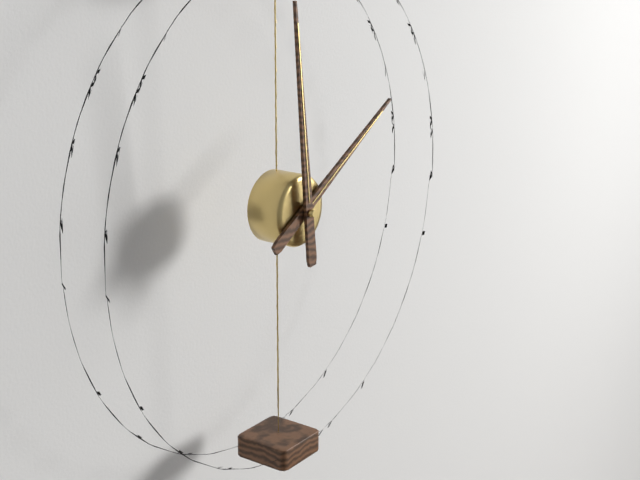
1:59
